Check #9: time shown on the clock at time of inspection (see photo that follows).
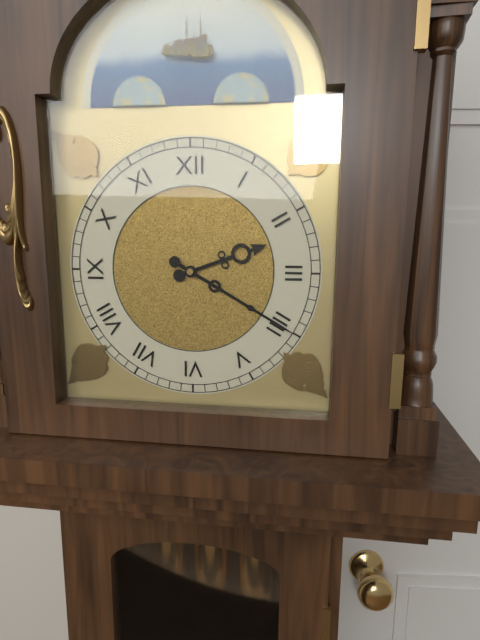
2:20
